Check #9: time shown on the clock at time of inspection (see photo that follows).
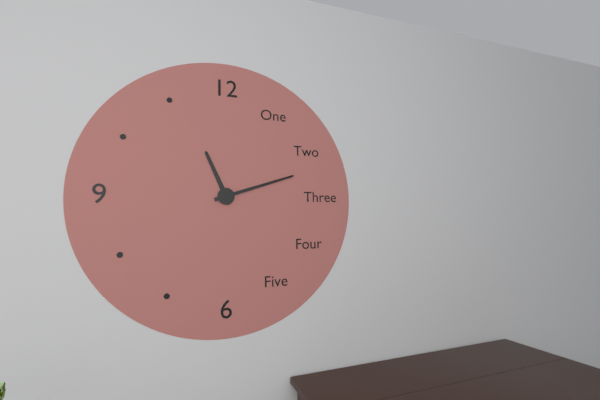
11:12
